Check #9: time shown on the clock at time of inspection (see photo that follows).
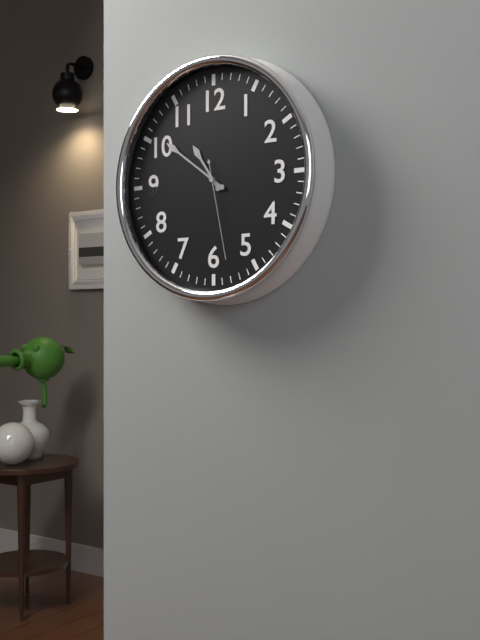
10:51:28
